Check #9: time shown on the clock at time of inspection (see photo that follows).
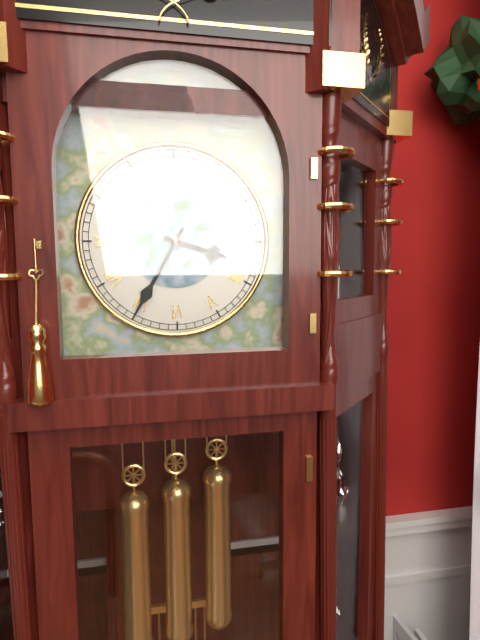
3:35
